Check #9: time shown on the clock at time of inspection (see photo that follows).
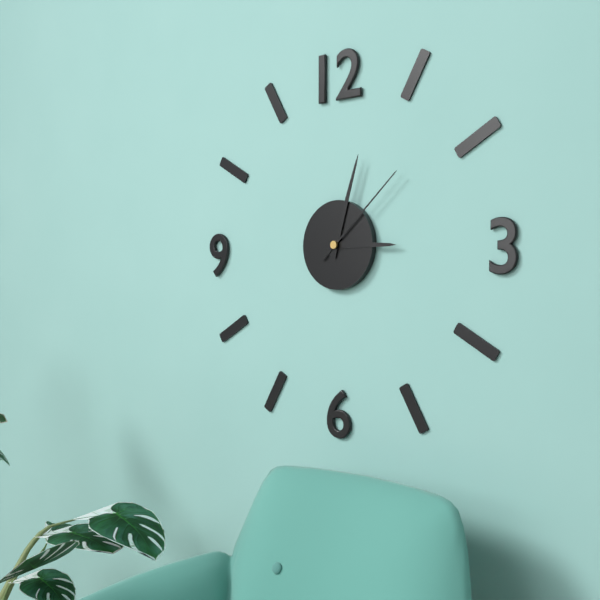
3:03:08
